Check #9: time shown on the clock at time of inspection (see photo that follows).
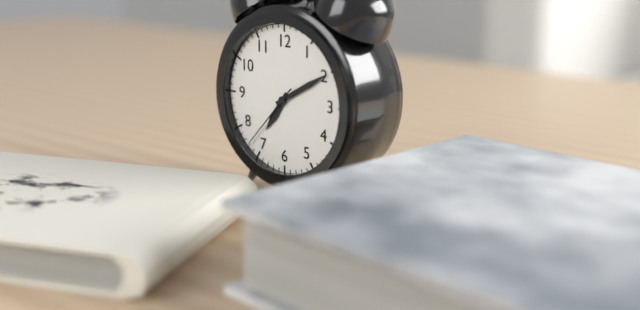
7:10:37
